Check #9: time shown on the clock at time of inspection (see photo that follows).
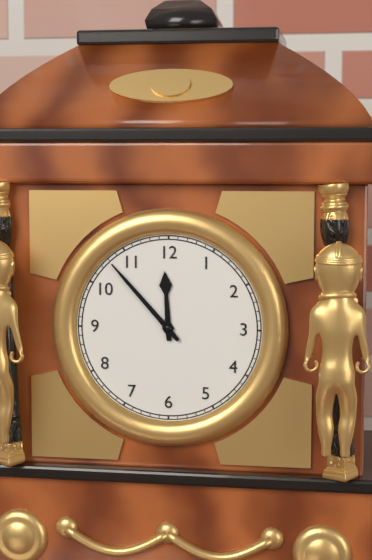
11:53
